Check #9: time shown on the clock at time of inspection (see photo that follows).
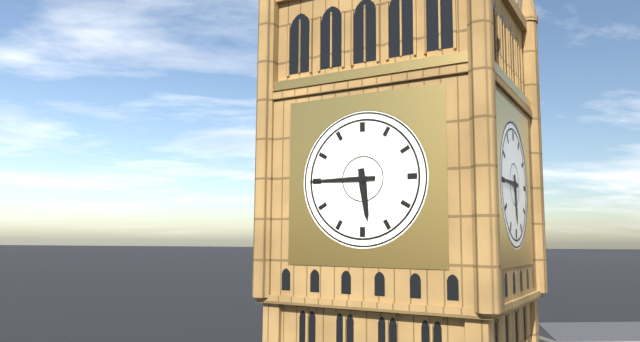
5:45
